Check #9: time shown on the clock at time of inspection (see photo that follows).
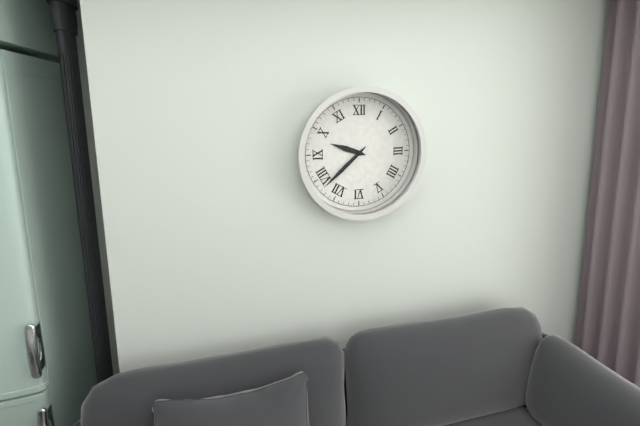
9:38
